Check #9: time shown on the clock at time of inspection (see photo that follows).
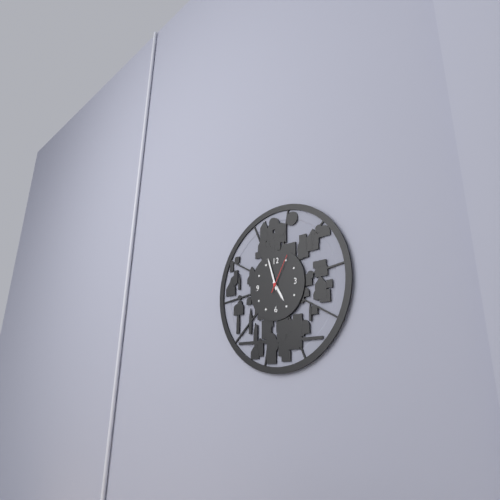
4:57
